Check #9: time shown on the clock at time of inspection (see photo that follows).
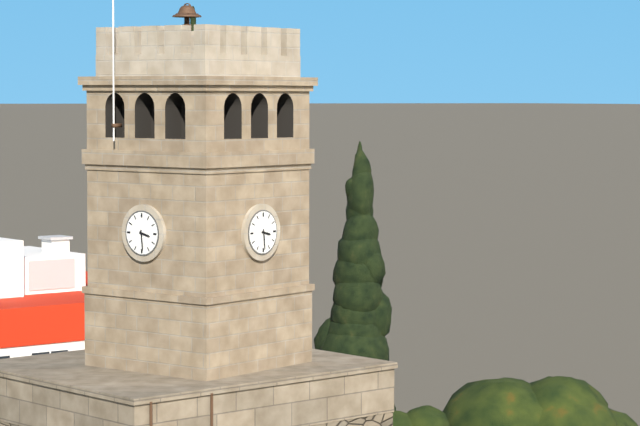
3:29
